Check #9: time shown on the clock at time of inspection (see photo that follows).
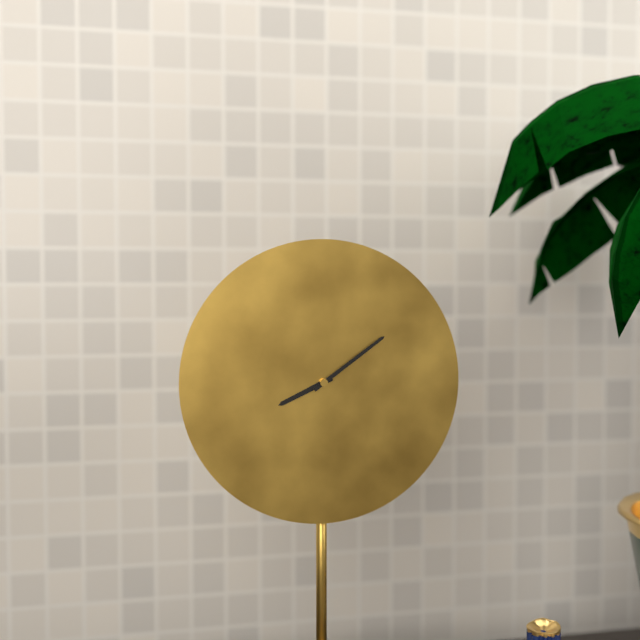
8:09
